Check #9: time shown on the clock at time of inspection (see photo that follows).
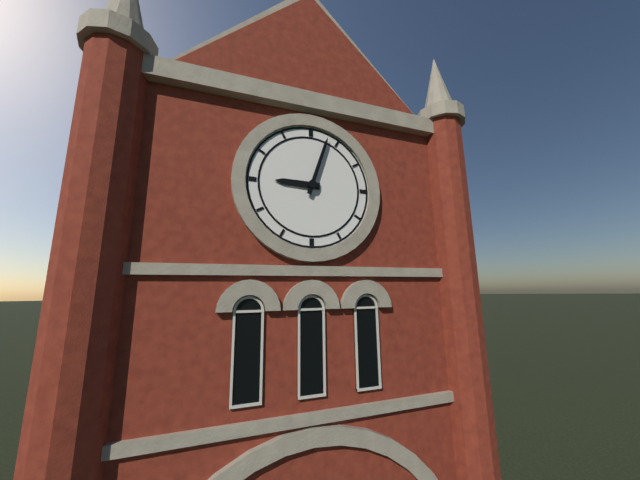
9:03
